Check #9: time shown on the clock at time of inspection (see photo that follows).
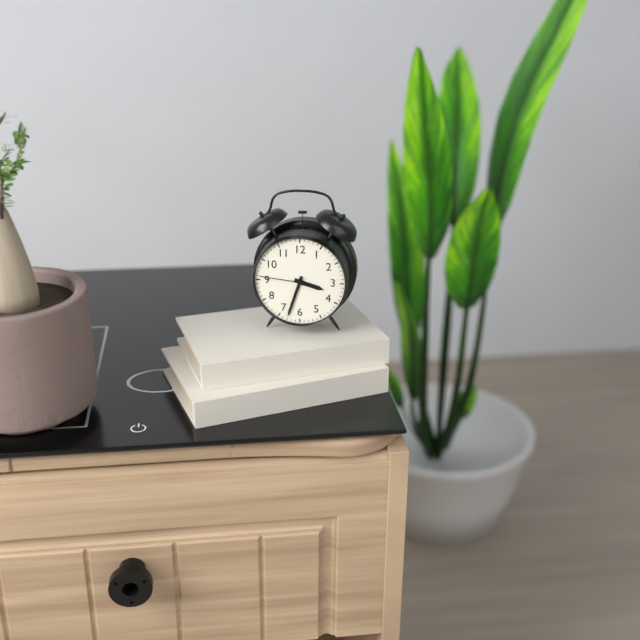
3:33:46
